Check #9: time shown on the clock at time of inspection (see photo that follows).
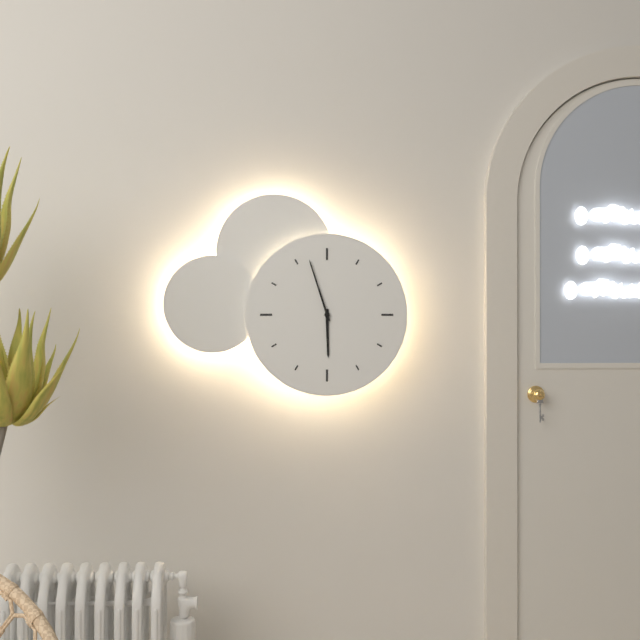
5:57
